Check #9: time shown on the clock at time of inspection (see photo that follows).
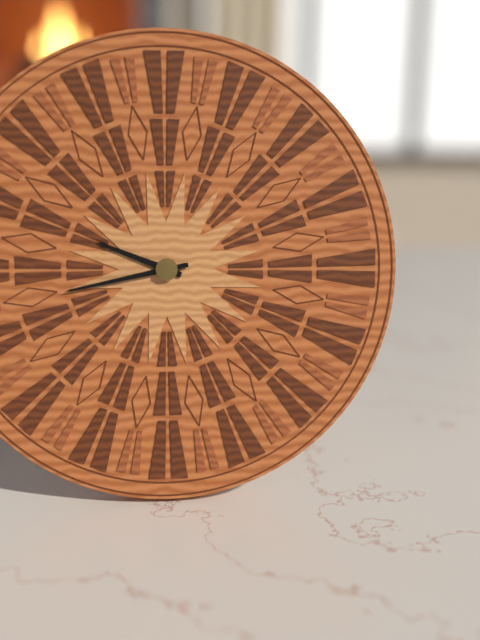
9:43
